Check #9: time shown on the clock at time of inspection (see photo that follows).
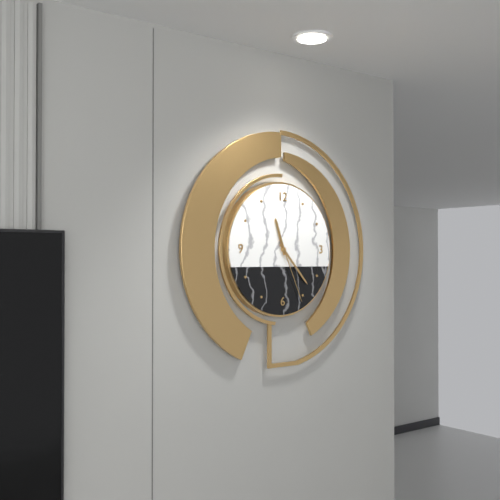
11:23:26
